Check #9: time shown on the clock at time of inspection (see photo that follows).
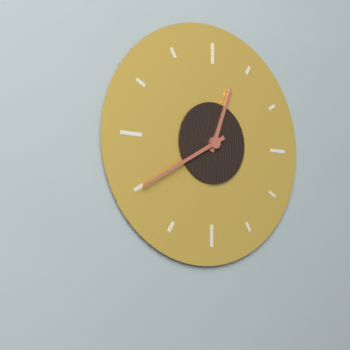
12:40
